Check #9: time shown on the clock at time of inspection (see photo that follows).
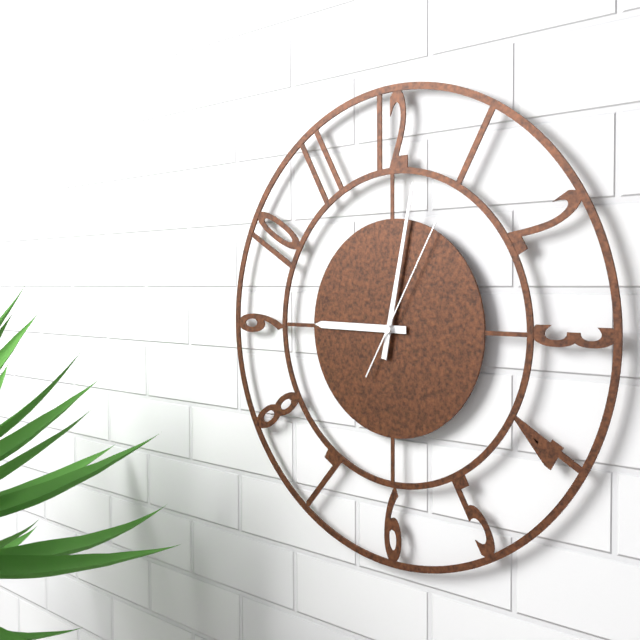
9:02:05
